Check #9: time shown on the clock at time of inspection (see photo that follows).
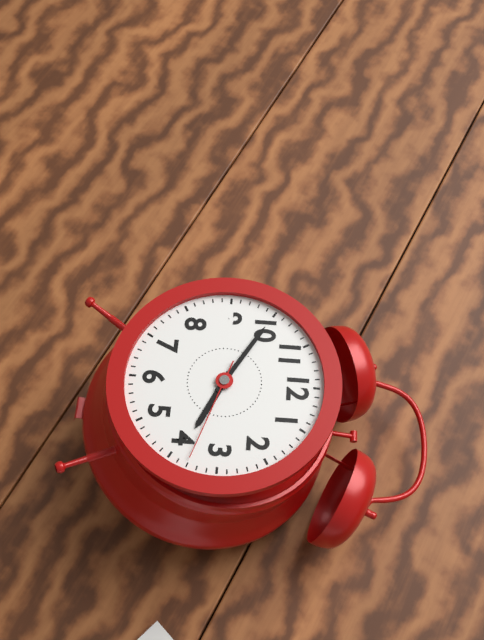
3:50:18
